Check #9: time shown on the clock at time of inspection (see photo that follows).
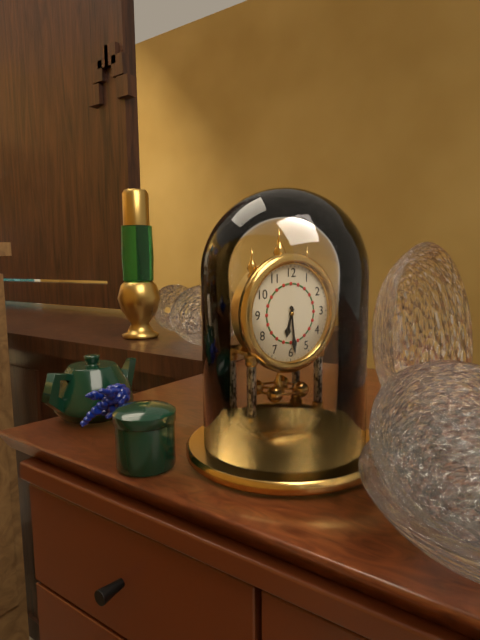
6:29
